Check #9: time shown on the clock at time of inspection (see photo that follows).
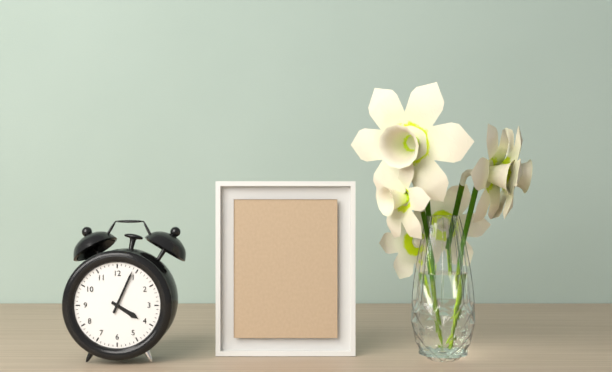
4:04
